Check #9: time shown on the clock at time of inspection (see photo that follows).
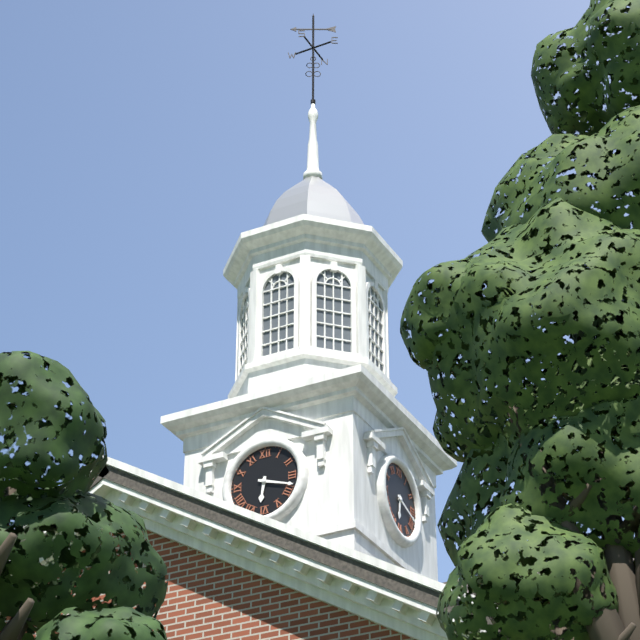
6:18
